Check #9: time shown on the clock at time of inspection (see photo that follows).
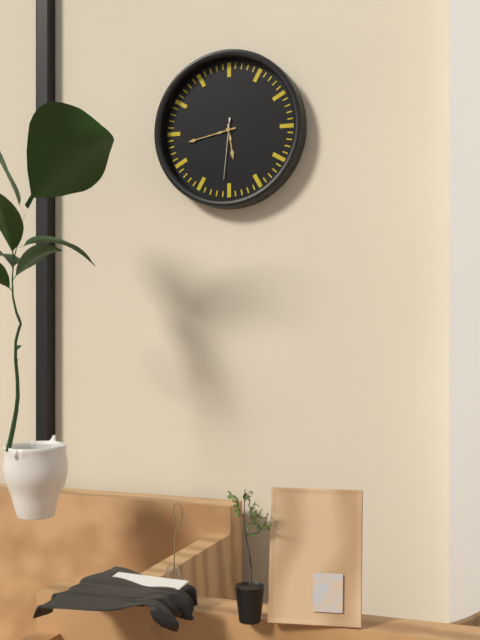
5:43:31
